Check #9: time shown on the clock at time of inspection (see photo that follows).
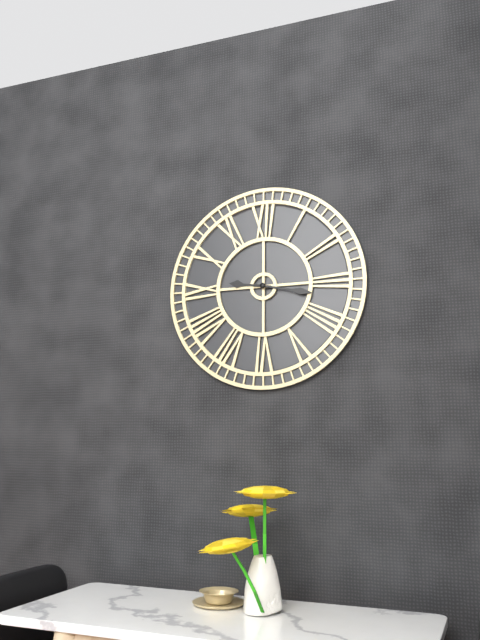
9:17
